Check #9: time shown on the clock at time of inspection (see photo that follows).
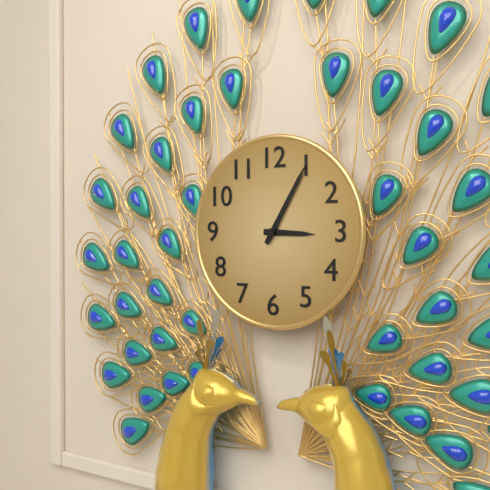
3:05
